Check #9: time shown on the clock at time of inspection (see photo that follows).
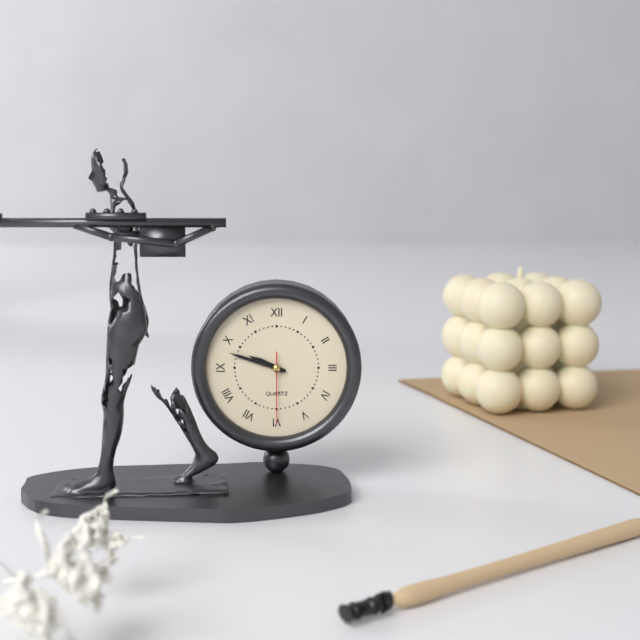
9:48:30
